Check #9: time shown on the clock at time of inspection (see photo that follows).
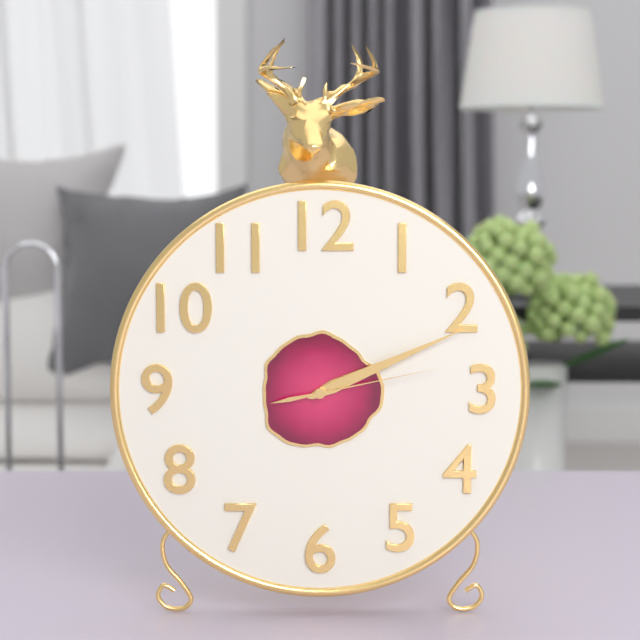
2:11:13
